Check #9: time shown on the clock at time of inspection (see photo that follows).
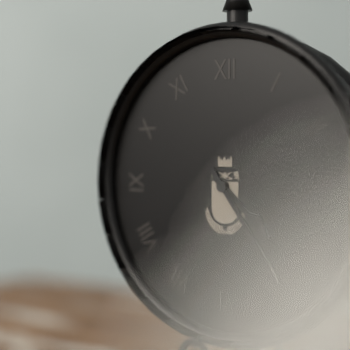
4:24
